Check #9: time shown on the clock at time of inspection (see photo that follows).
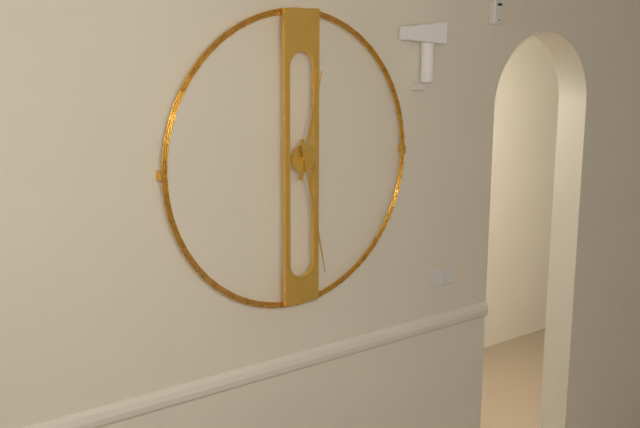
12:28
